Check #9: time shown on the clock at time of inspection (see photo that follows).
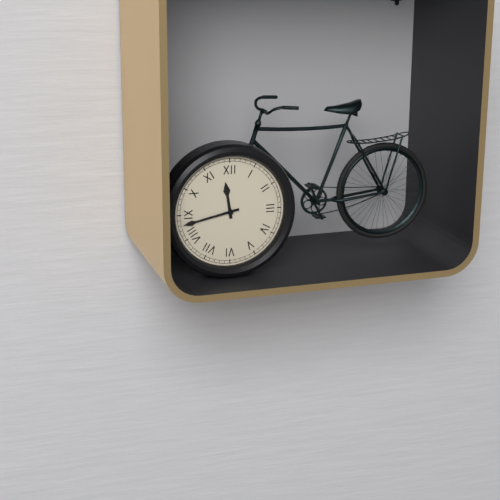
11:43
